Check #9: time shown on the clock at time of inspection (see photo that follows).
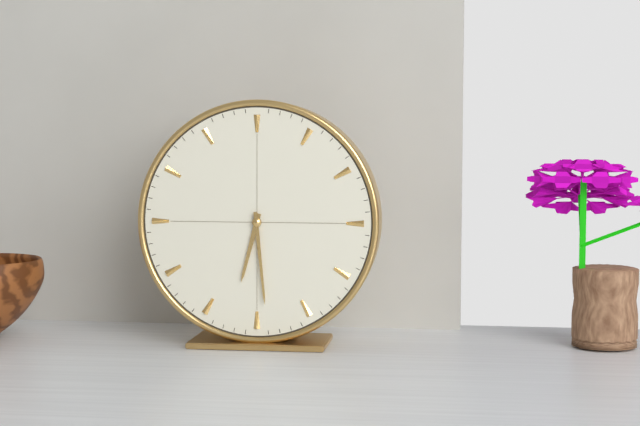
6:29
